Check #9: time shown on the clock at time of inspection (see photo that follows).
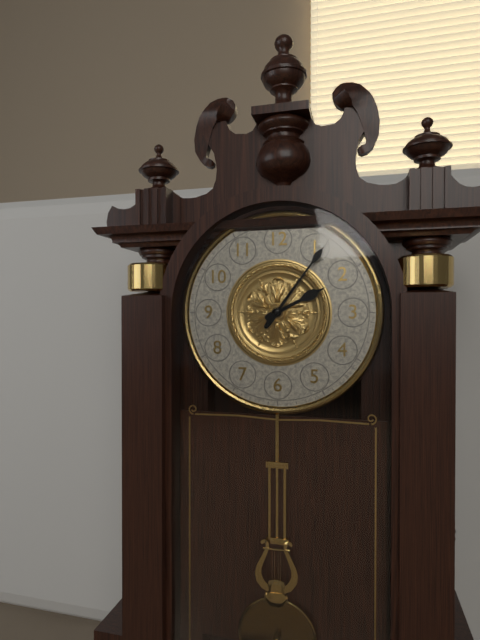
2:06
